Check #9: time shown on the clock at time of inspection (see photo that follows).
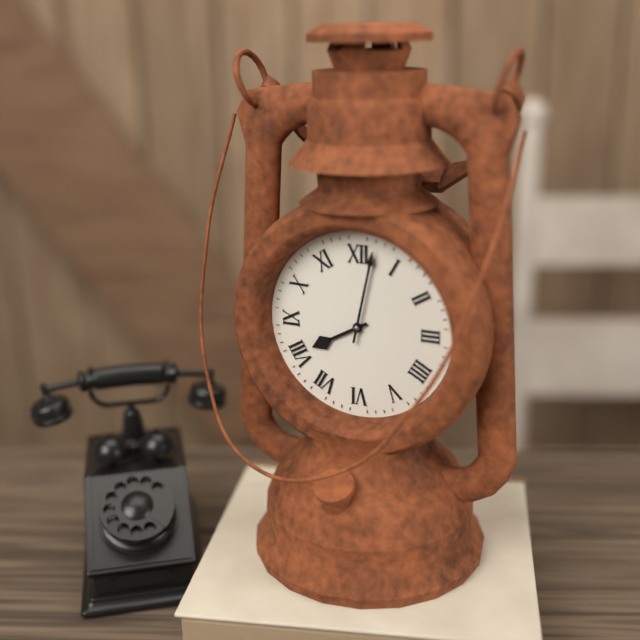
8:02
